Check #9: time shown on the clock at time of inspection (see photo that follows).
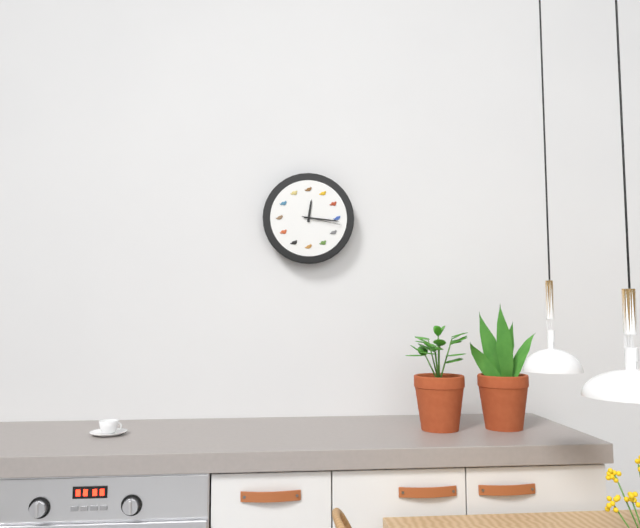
12:16
